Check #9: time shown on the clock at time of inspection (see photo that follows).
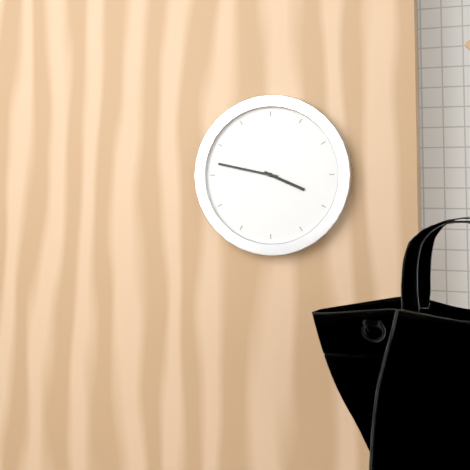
3:47
